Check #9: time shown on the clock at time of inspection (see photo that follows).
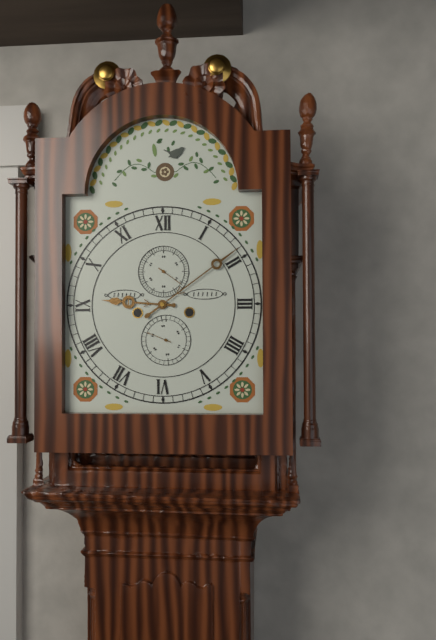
9:09
